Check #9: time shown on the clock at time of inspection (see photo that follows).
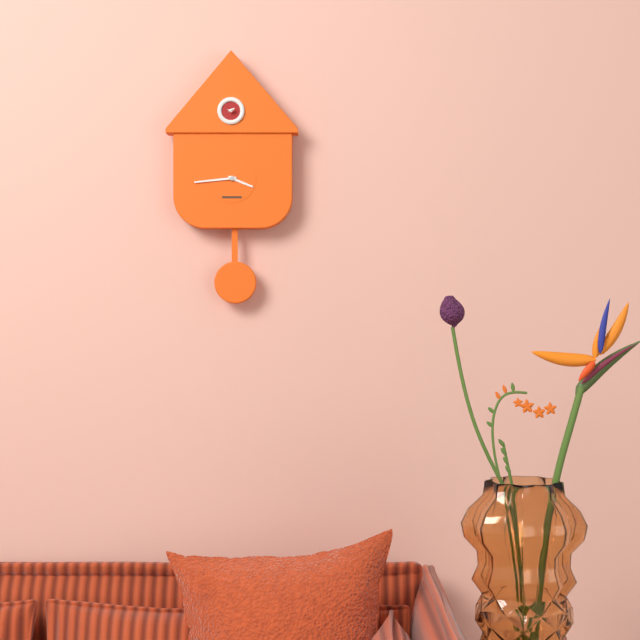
3:44
